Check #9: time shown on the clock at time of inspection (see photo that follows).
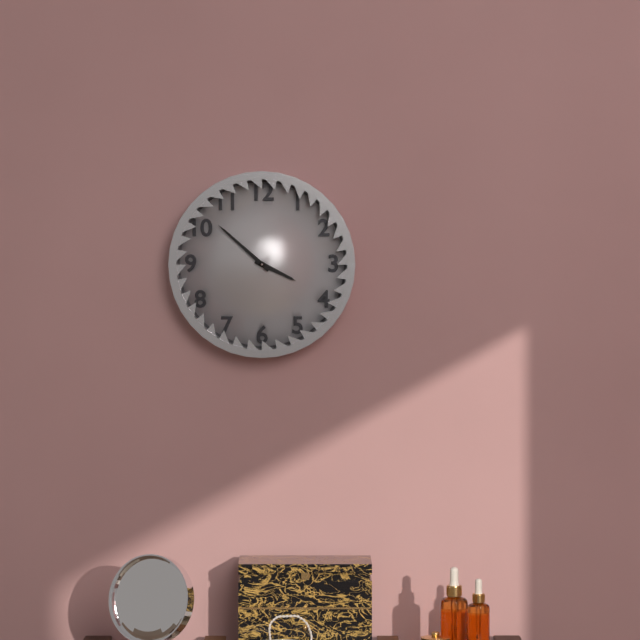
3:52
